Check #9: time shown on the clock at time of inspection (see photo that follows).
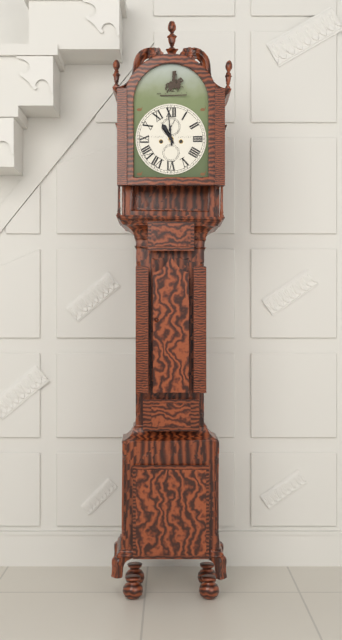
10:59
